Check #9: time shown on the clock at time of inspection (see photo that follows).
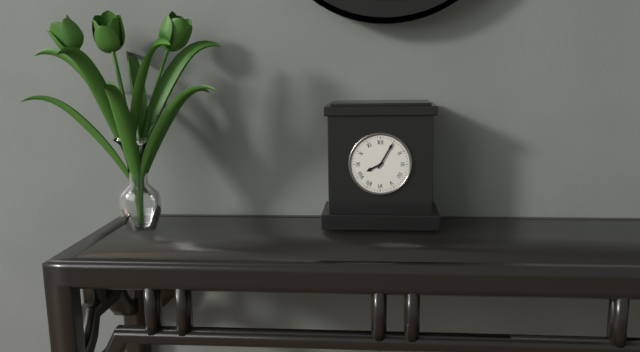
8:05
